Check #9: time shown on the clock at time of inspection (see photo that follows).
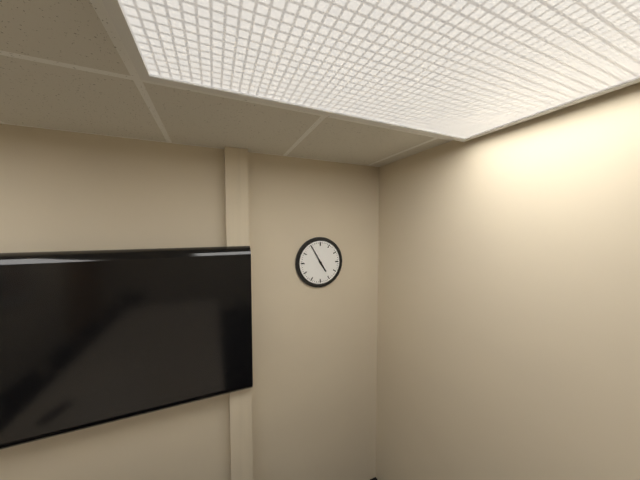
4:55
